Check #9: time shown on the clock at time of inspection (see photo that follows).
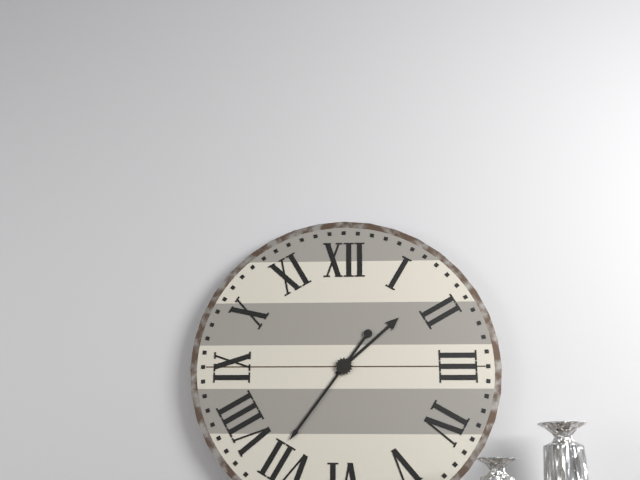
1:36
